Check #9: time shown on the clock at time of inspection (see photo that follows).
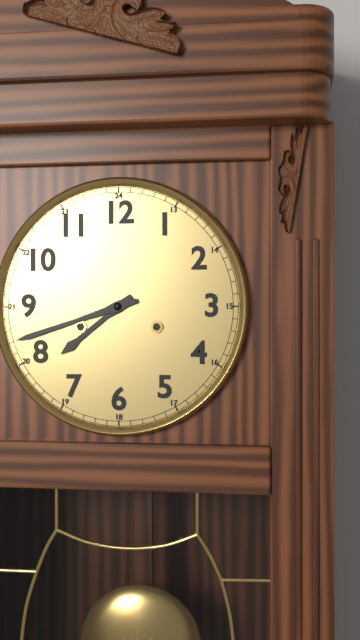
7:42
